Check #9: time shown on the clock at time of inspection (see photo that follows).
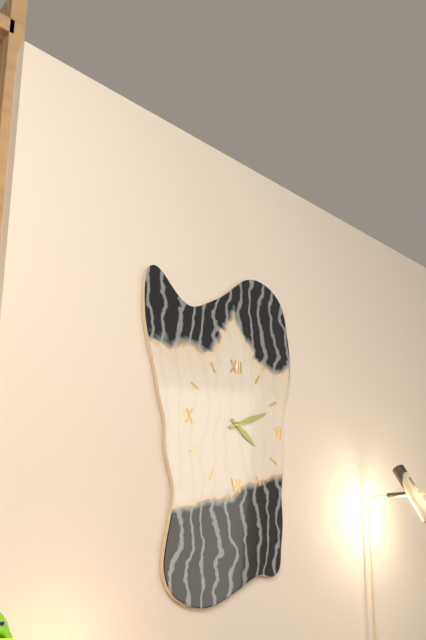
4:11
